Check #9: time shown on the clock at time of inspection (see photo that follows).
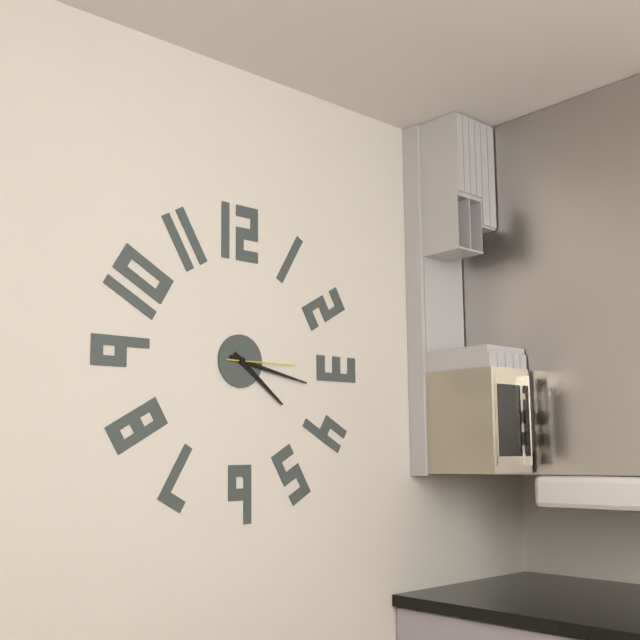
4:17:15
